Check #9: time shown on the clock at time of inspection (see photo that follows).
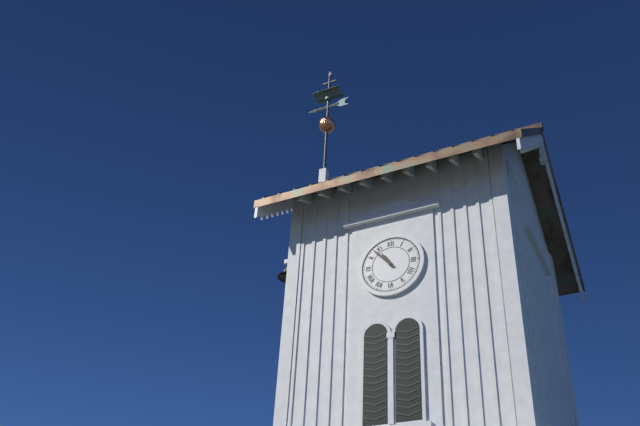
10:53
